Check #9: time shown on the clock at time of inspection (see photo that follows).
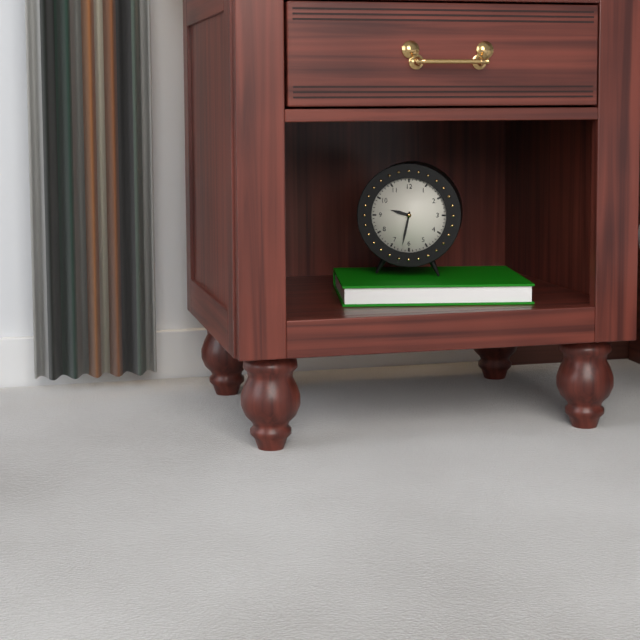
9:32
